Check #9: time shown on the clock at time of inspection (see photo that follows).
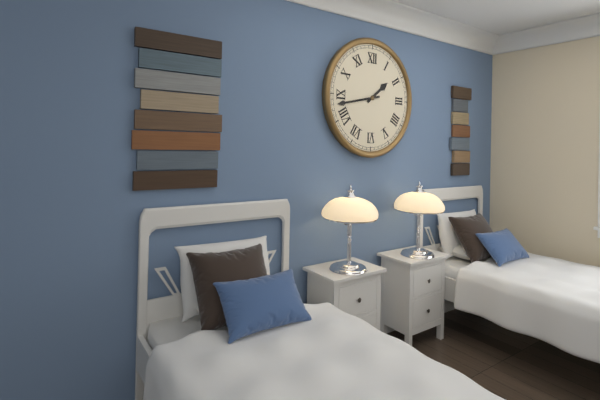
1:43
